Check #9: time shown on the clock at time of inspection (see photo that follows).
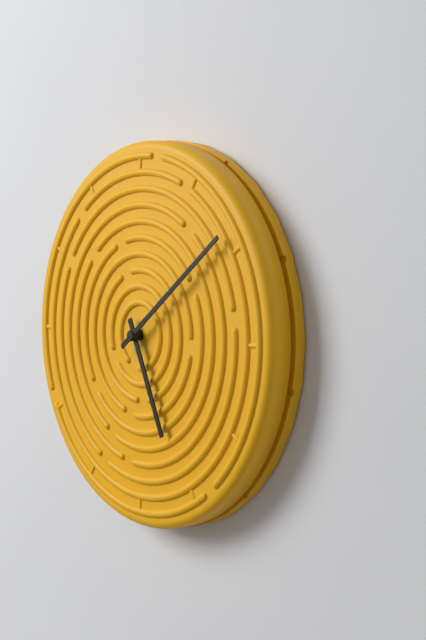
5:09
